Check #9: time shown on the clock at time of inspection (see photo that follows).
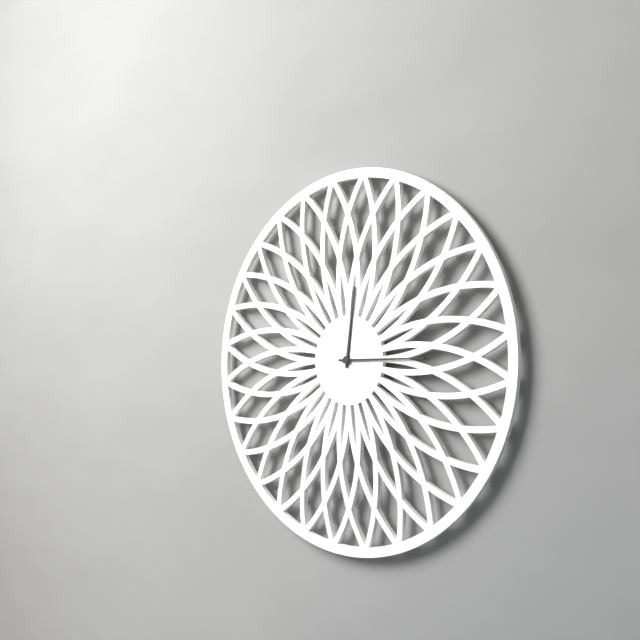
12:15
